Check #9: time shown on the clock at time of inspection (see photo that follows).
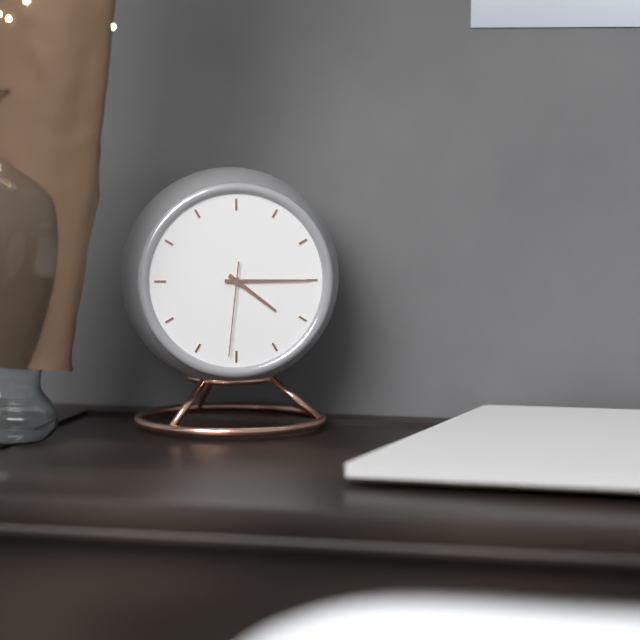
4:15:31
